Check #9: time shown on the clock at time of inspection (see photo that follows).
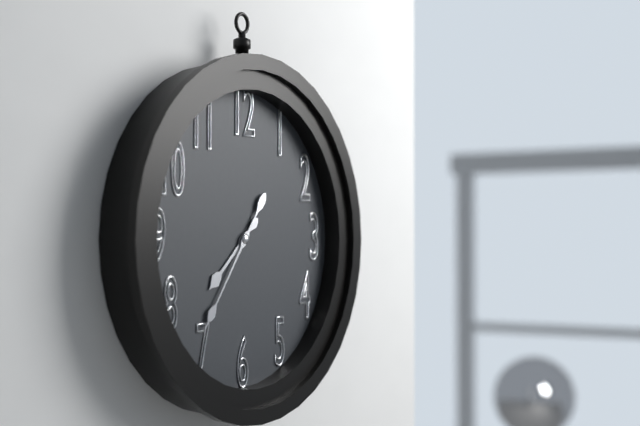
7:36
